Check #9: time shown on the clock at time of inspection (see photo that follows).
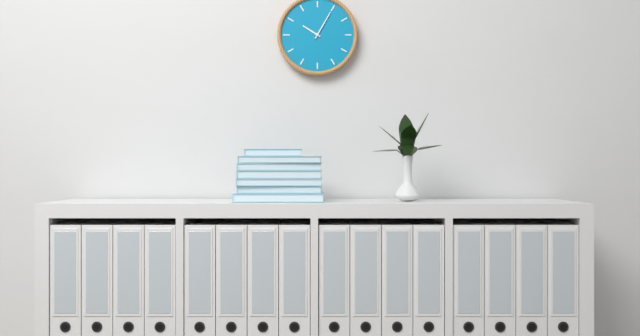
10:05
